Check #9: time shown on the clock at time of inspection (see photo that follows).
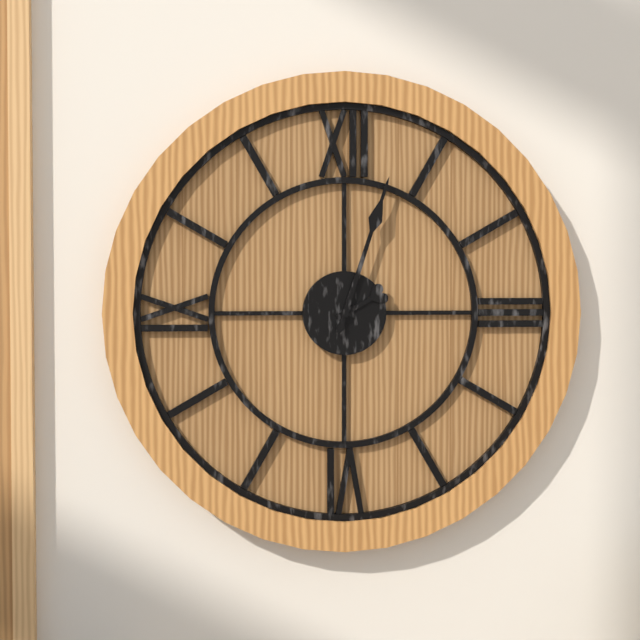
2:03
